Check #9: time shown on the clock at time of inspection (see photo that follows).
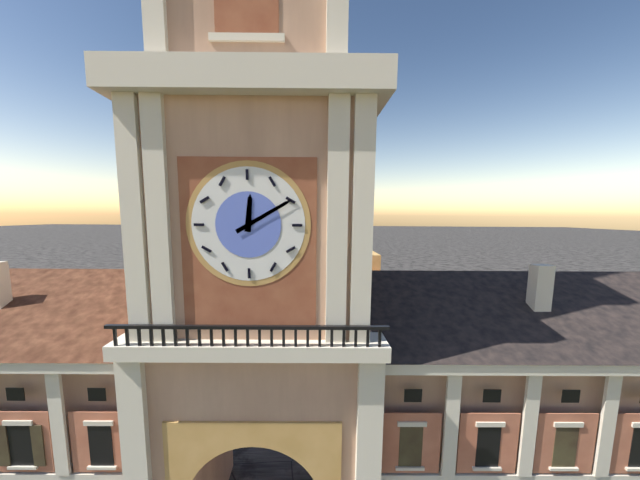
12:10
